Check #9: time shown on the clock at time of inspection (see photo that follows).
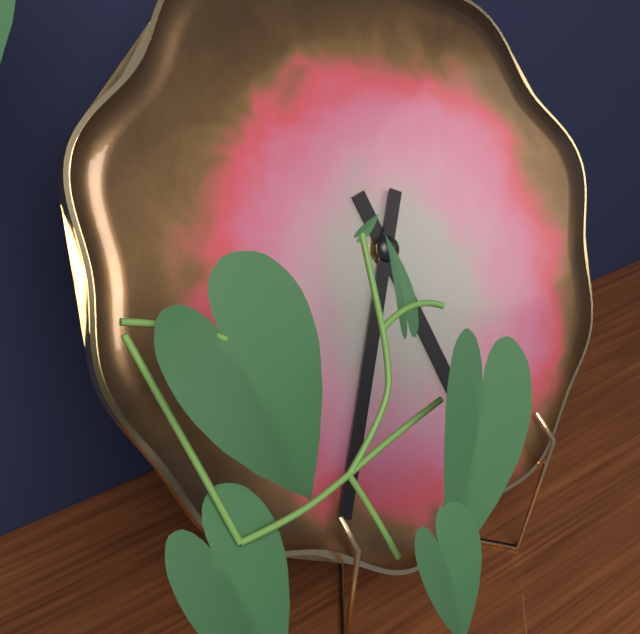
5:35
